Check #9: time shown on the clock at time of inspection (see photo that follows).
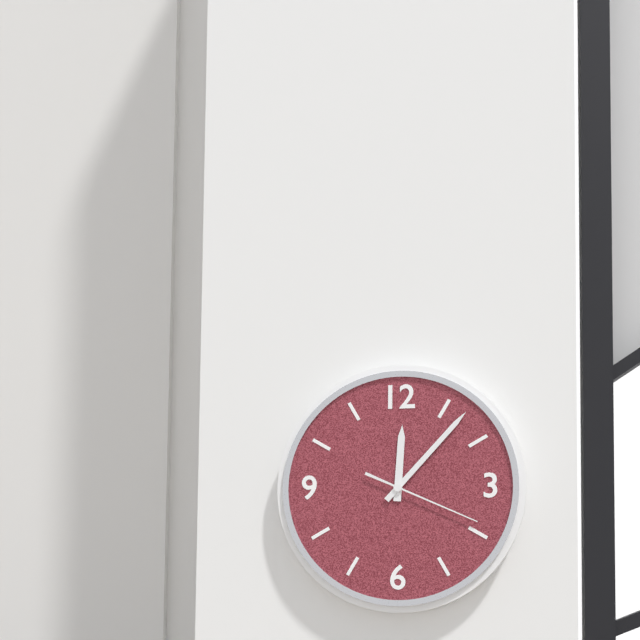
12:07:19
